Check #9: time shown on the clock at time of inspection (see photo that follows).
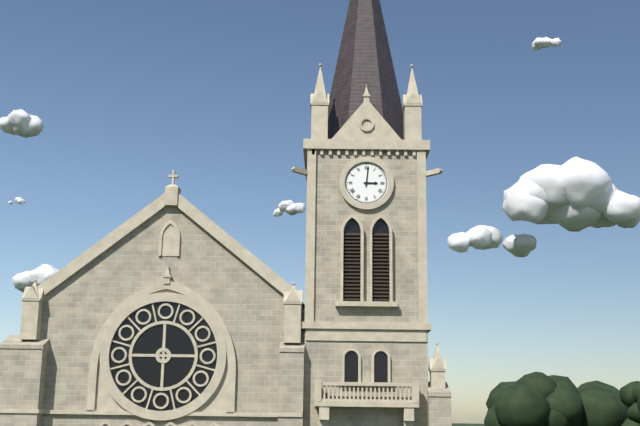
3:01
